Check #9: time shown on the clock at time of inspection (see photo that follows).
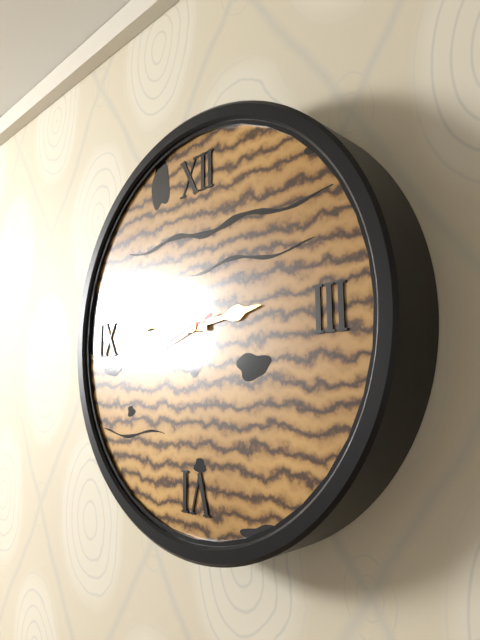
2:46:42
